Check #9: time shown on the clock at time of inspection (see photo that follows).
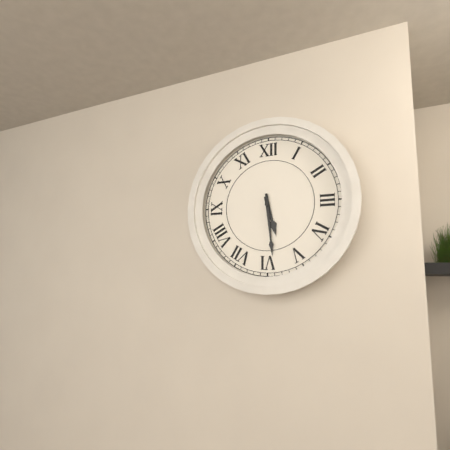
5:29
